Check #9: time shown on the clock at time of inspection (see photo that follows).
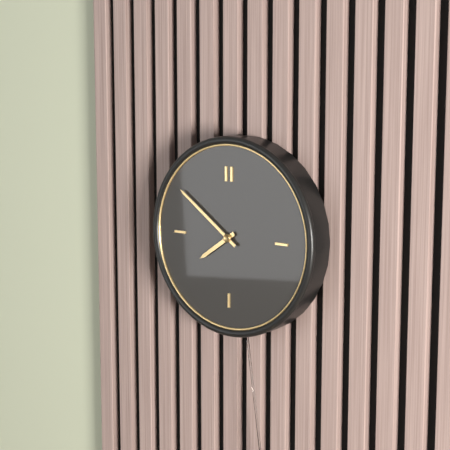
7:51
